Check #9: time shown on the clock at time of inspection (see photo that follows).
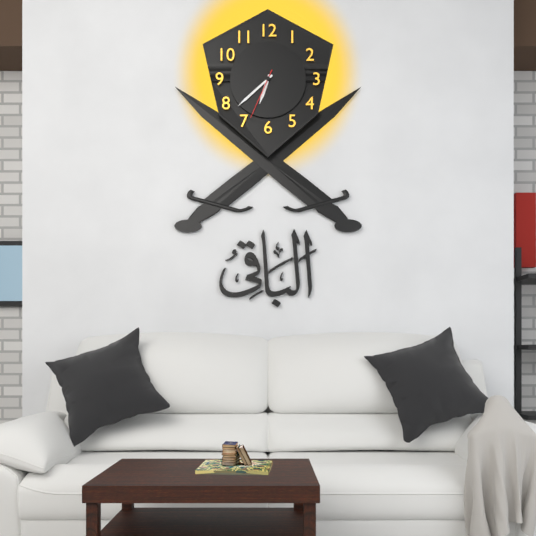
6:38:34
